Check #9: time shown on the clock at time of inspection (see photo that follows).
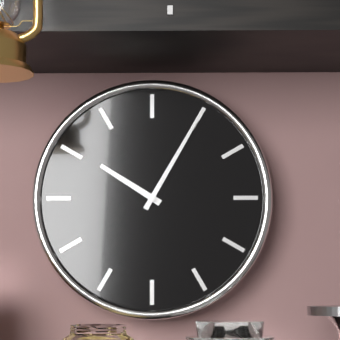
10:05
